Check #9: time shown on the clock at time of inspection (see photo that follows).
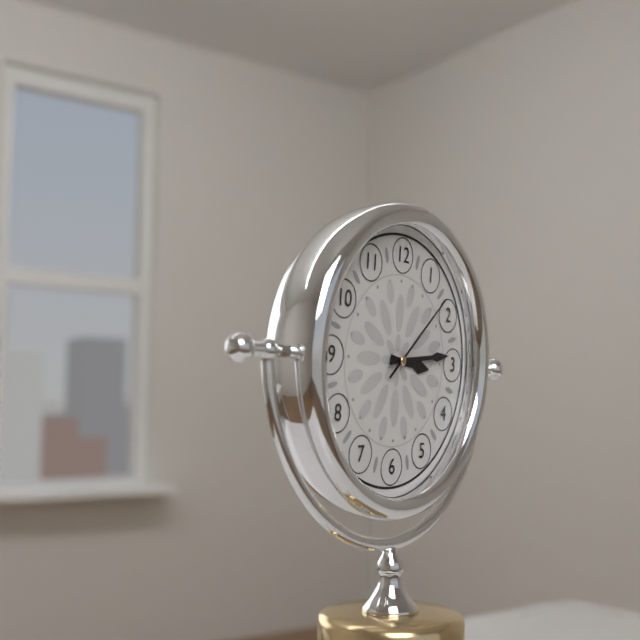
3:14:08
